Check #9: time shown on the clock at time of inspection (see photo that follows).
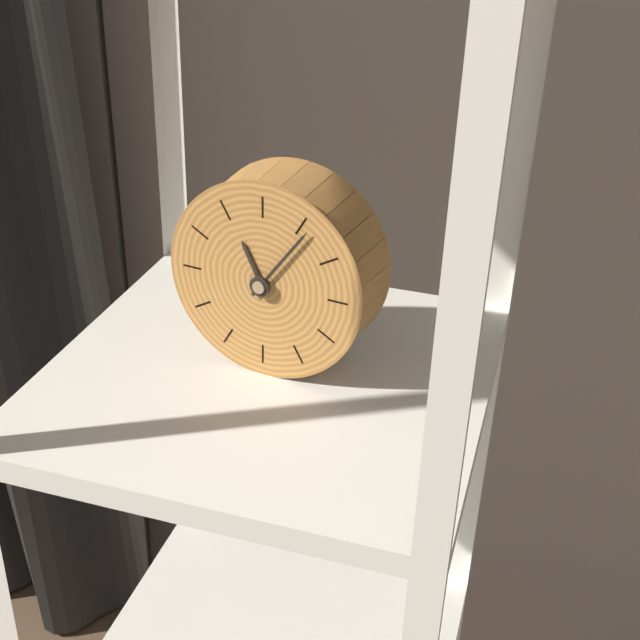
11:06
